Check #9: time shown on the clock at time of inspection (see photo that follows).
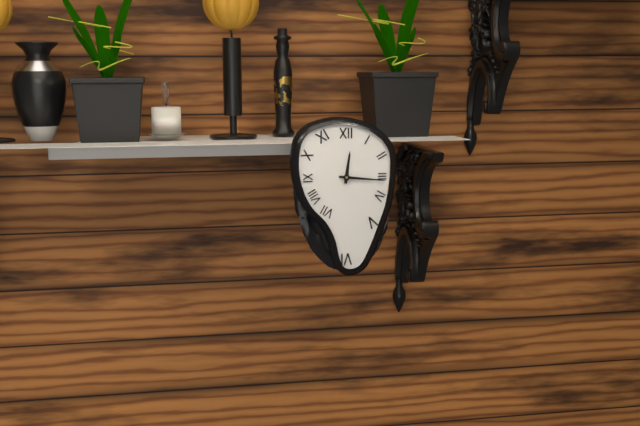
12:16
